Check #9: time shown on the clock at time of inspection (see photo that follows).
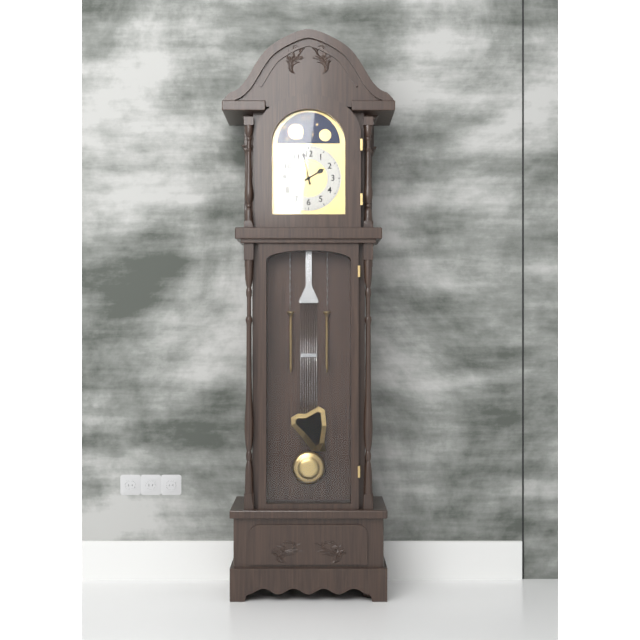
1:58
